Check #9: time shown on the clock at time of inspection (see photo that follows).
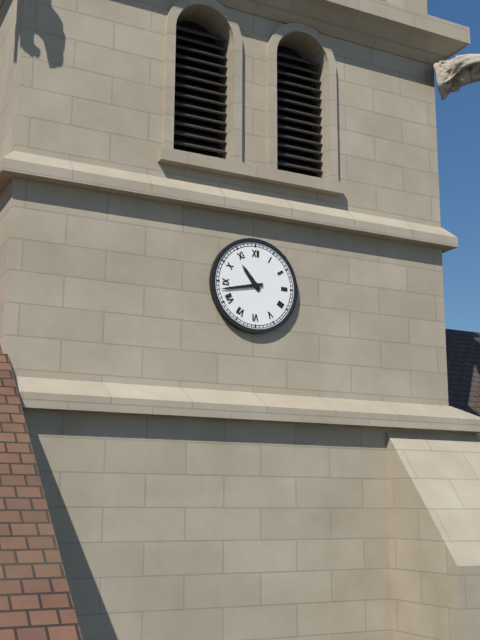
10:43
